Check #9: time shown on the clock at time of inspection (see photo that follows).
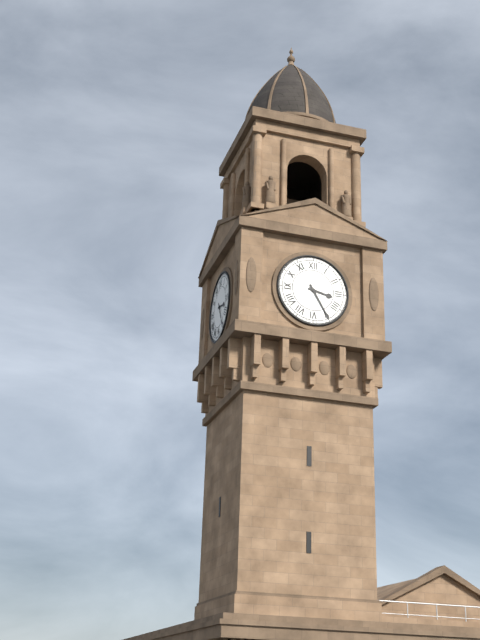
3:25
